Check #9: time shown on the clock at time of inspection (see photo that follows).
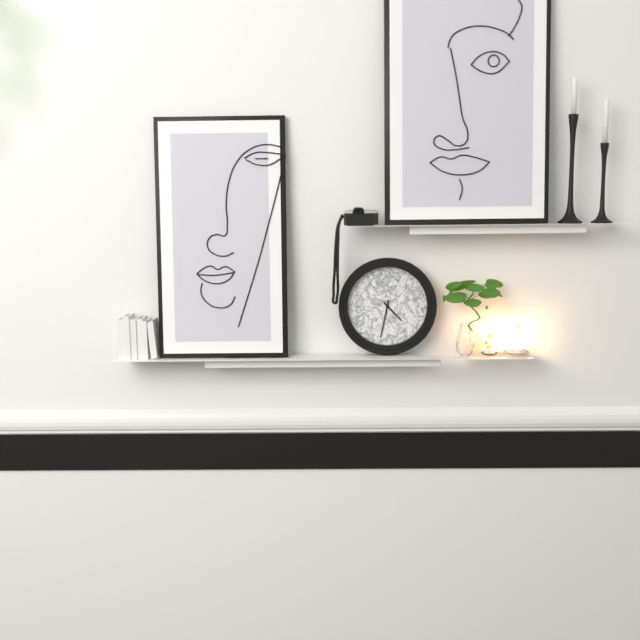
4:32
